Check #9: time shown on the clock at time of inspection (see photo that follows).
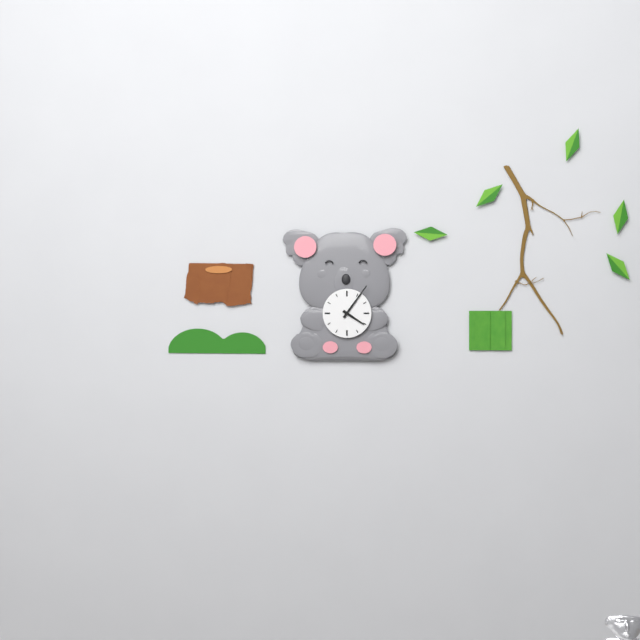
4:06
